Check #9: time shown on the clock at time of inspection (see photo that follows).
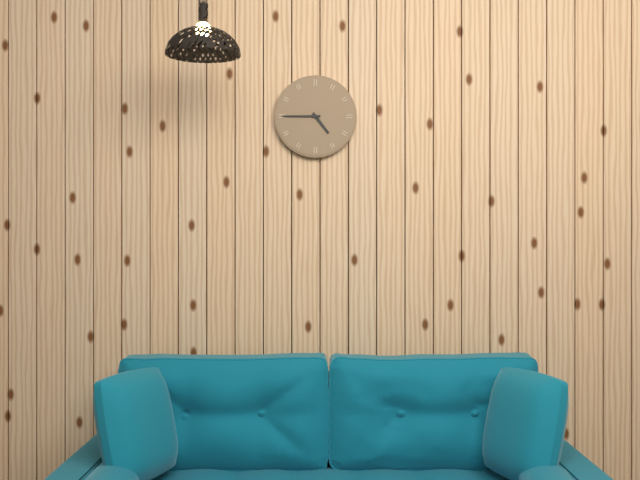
4:45
